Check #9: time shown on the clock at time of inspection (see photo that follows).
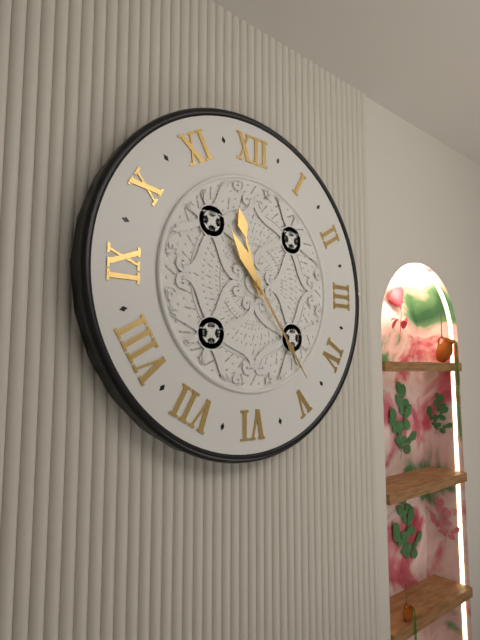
11:24
